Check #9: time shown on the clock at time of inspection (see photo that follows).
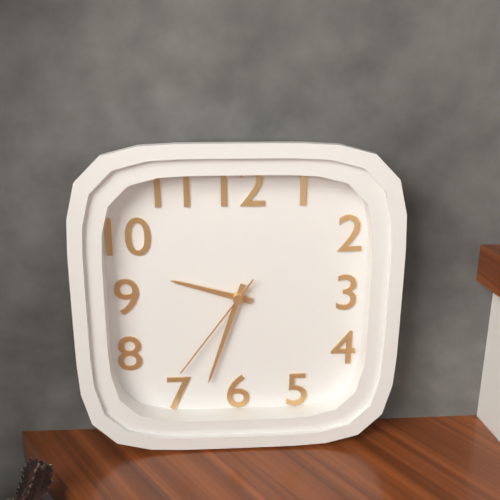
9:33:36
